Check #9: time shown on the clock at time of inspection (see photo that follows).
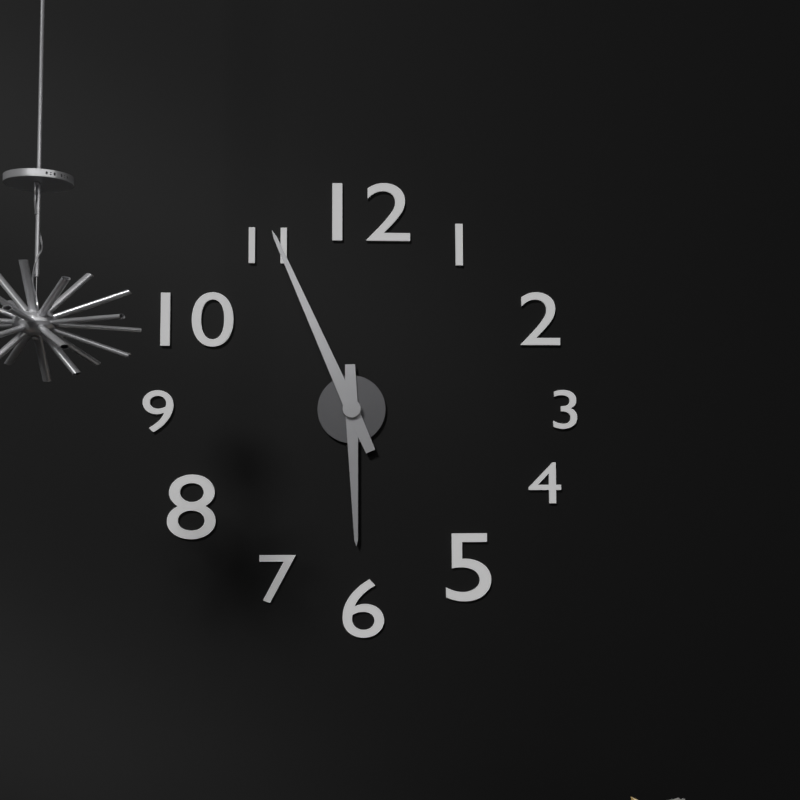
5:56
